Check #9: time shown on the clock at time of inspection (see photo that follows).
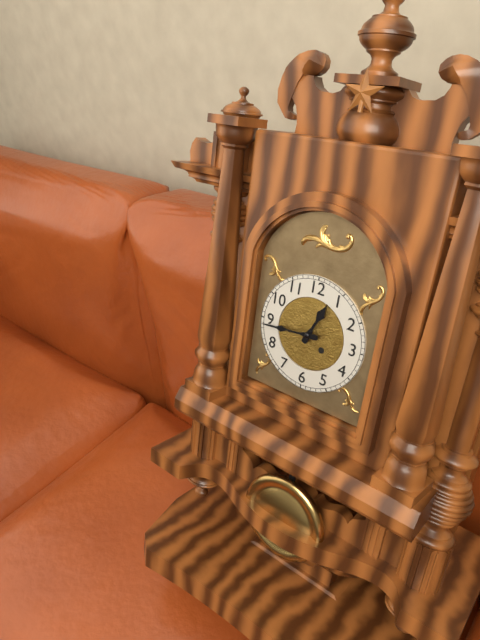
12:44
